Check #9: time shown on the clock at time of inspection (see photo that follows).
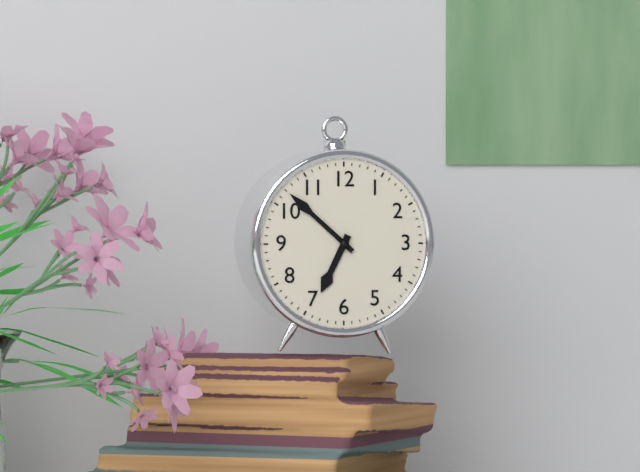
6:52
